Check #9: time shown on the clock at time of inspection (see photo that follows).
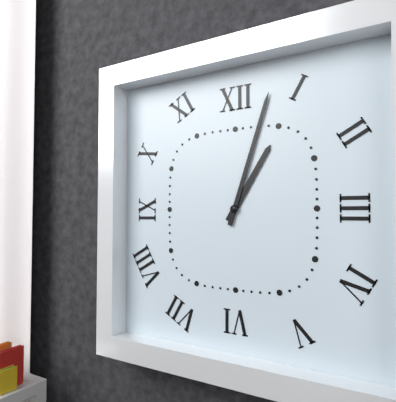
1:03
